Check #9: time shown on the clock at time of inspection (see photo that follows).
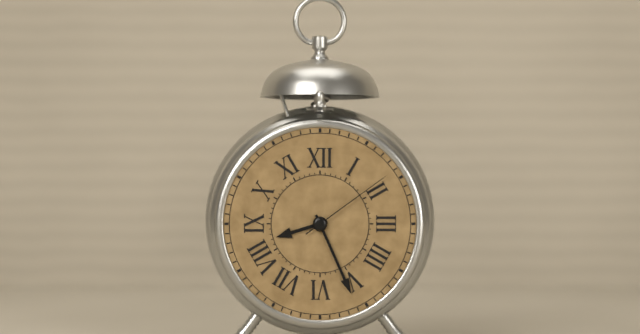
8:26:09
